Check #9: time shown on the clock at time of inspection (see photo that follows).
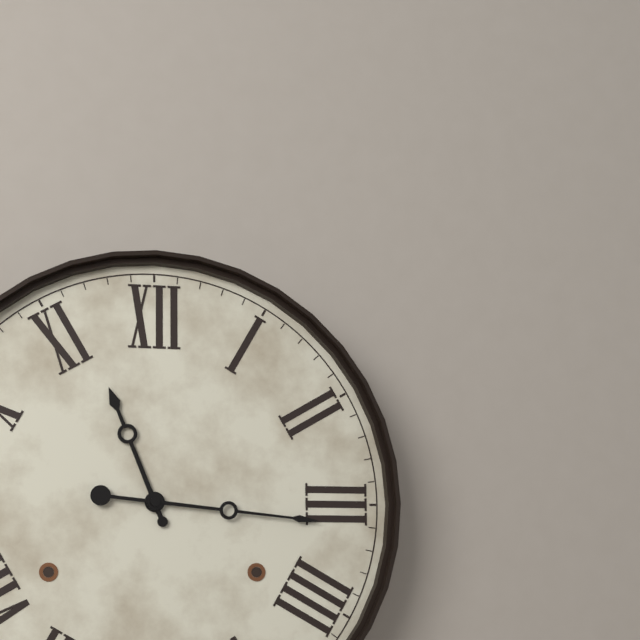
11:16
